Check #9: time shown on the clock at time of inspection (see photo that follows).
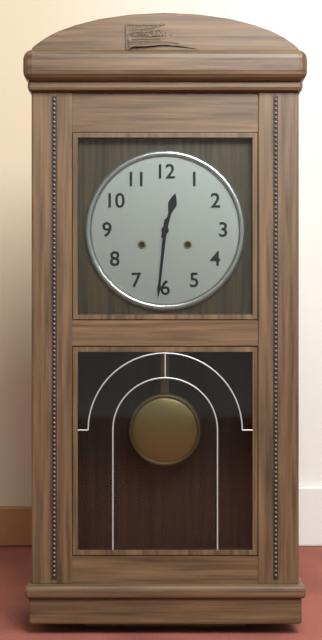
12:31
